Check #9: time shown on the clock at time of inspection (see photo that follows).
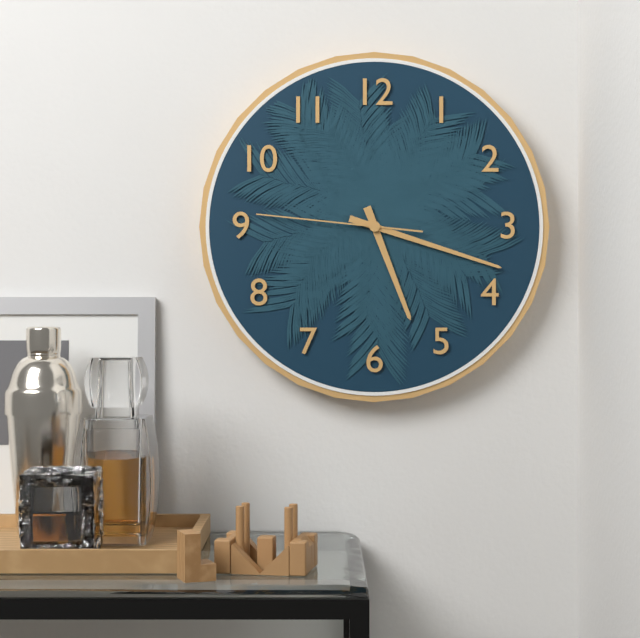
5:18:46
